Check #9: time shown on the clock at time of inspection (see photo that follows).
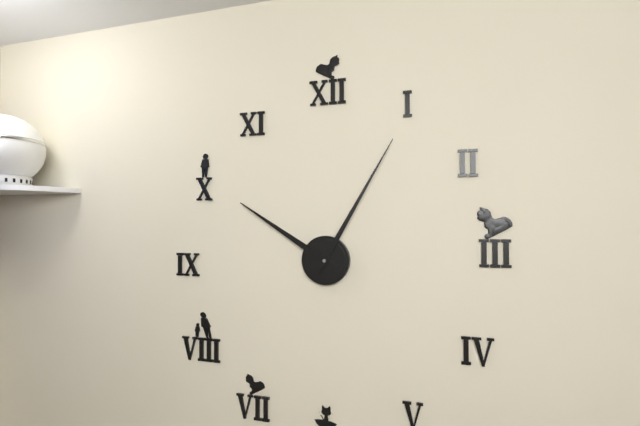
10:05
